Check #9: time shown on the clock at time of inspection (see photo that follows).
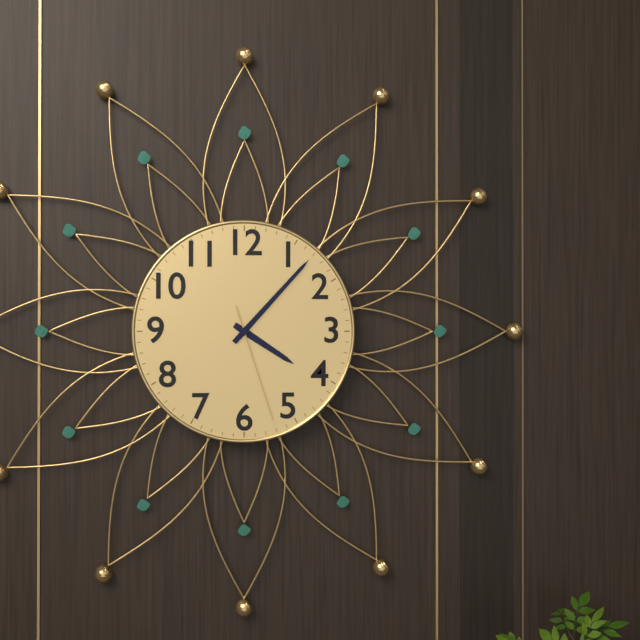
4:07:27
